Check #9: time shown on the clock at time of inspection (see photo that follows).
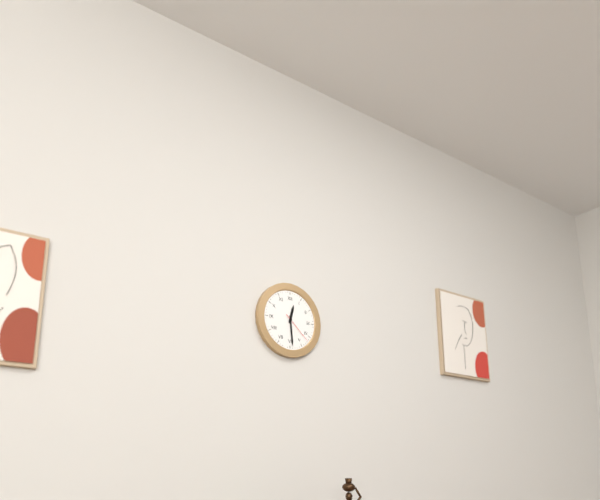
12:29
